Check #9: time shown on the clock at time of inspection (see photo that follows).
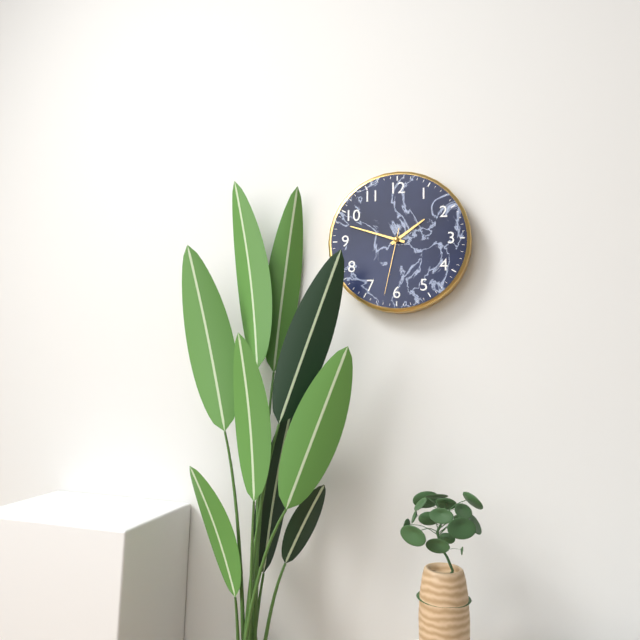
1:48:32
